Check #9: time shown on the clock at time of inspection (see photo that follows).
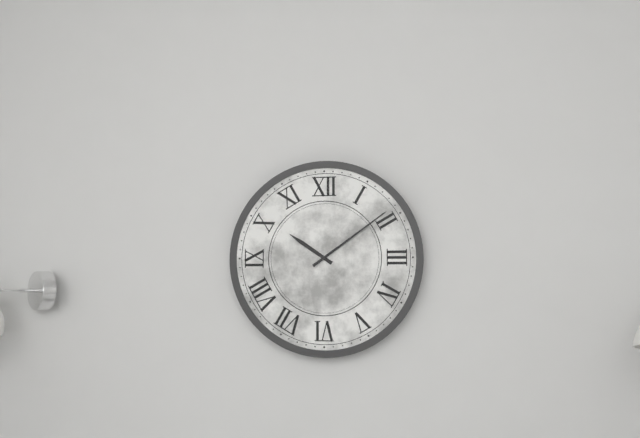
10:09
